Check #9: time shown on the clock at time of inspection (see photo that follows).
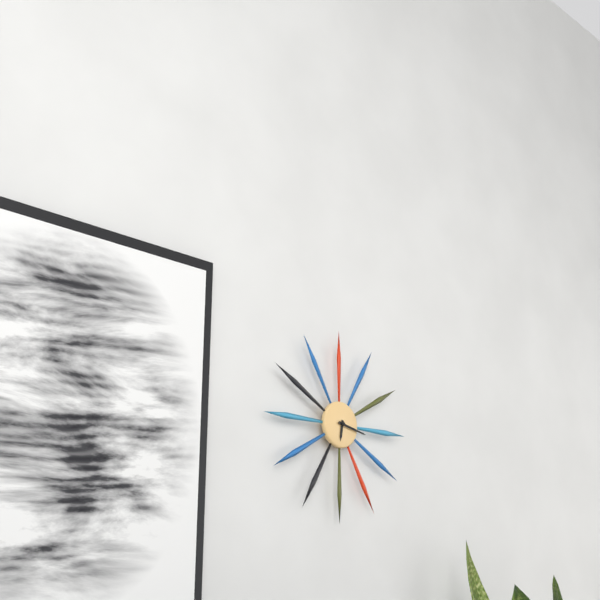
6:17
